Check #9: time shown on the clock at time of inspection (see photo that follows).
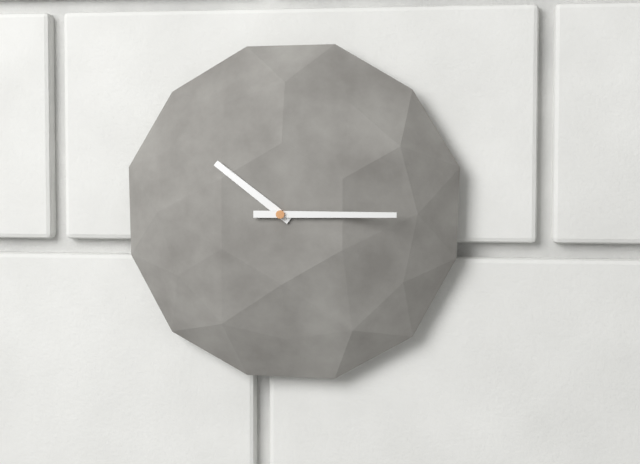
10:15
